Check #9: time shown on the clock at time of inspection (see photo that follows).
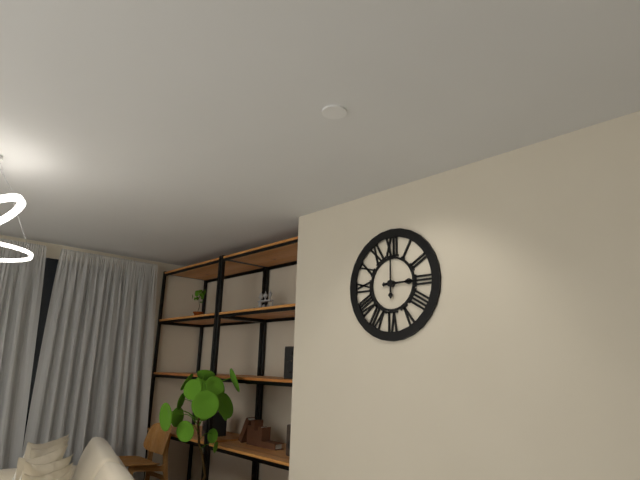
3:00
